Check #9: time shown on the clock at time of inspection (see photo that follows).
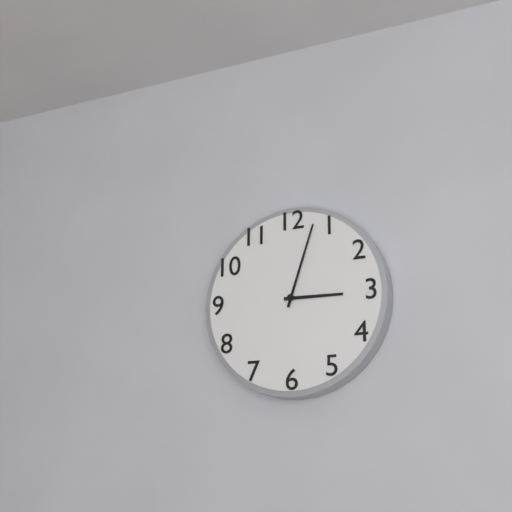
3:03
